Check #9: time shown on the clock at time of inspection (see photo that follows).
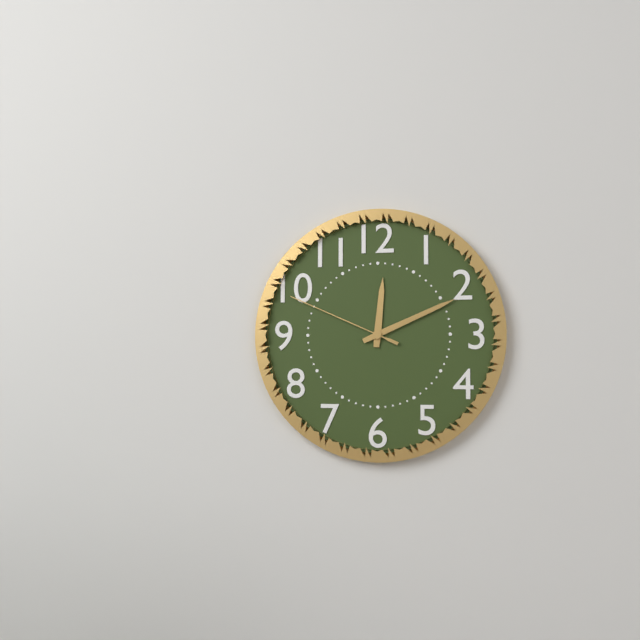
12:11:49
